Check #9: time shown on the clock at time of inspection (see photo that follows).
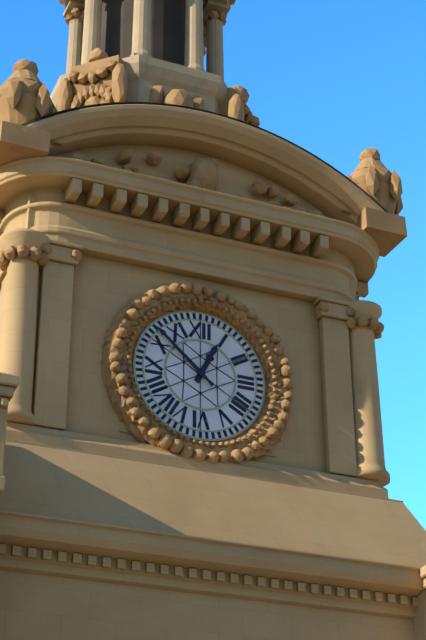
12:52
